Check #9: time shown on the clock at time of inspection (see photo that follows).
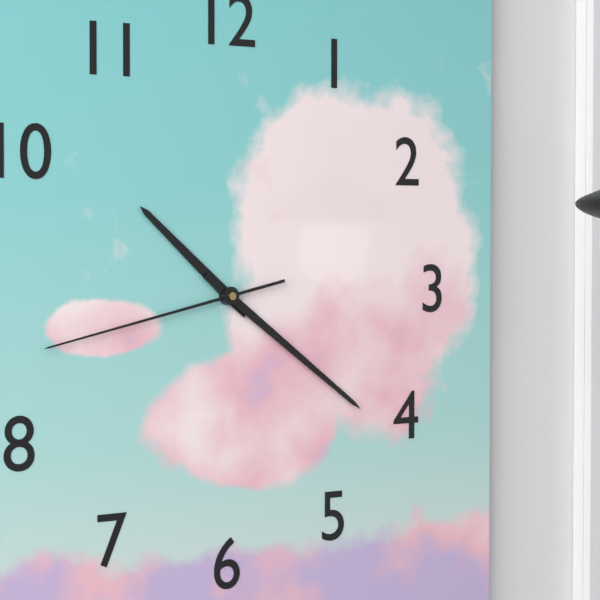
10:21:43
